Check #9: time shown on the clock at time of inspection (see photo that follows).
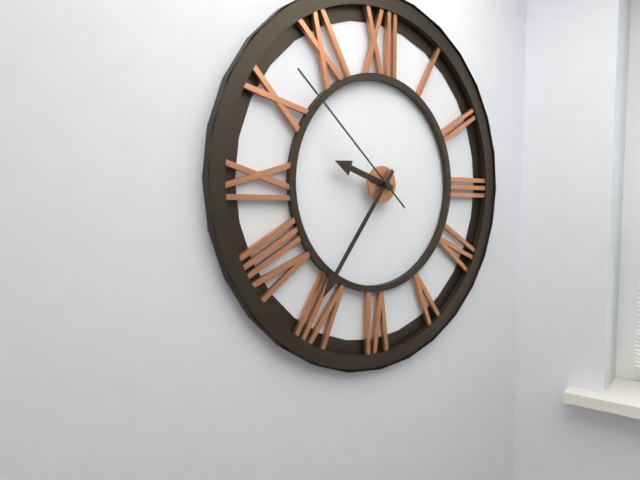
9:36:52
